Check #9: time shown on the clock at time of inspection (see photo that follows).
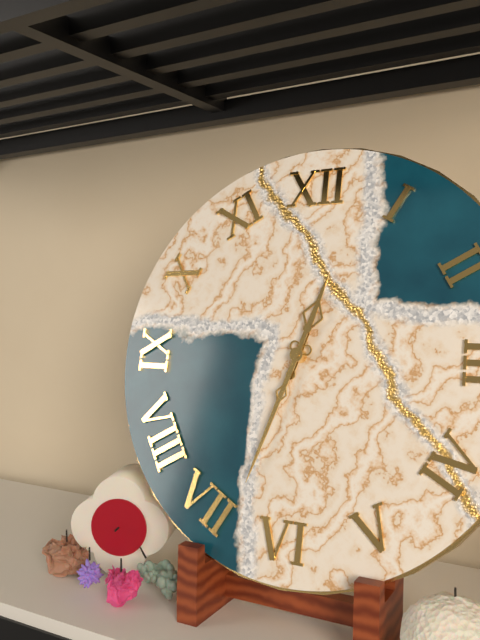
12:33
